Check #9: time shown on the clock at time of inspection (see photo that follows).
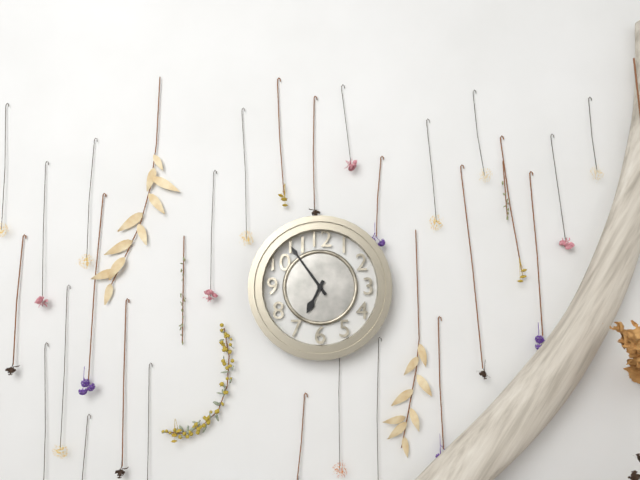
6:54
